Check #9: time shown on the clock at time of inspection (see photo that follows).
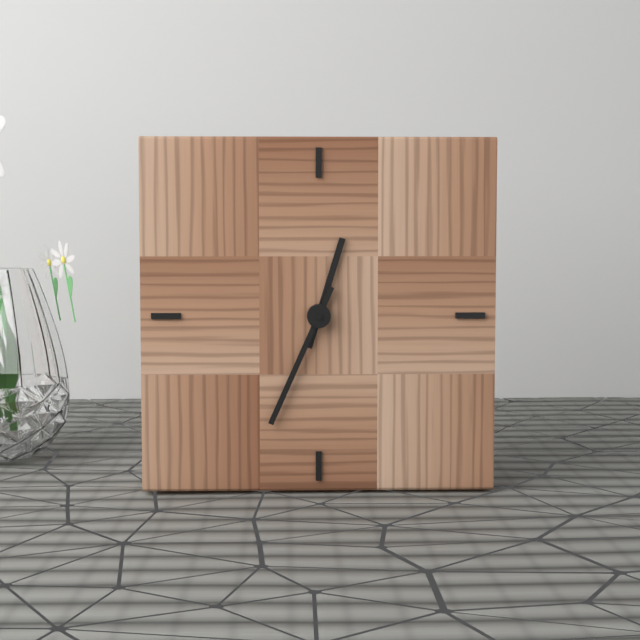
12:34
